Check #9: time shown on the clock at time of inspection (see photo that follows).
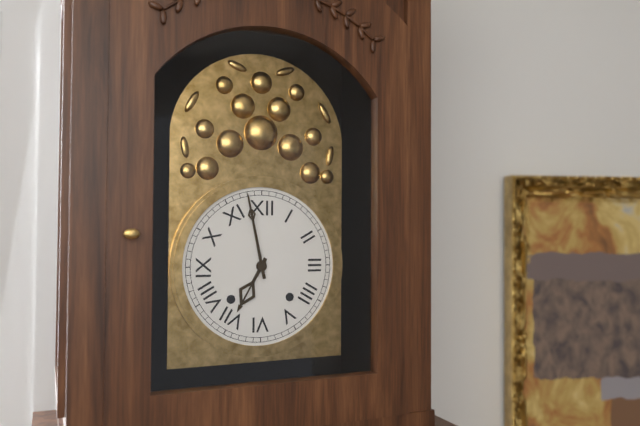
6:58
